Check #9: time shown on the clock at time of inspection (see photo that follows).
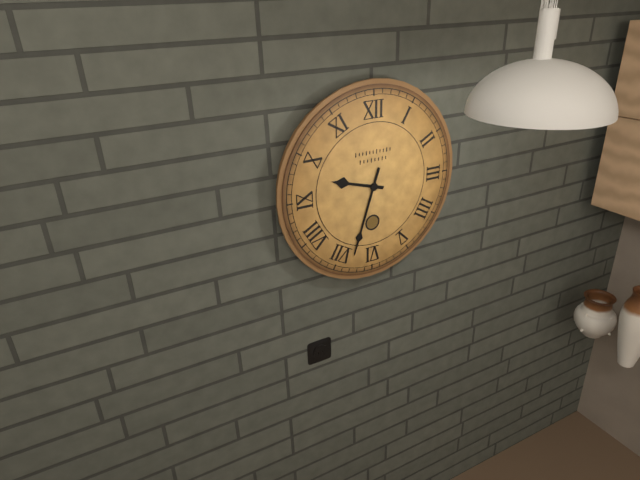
9:33
